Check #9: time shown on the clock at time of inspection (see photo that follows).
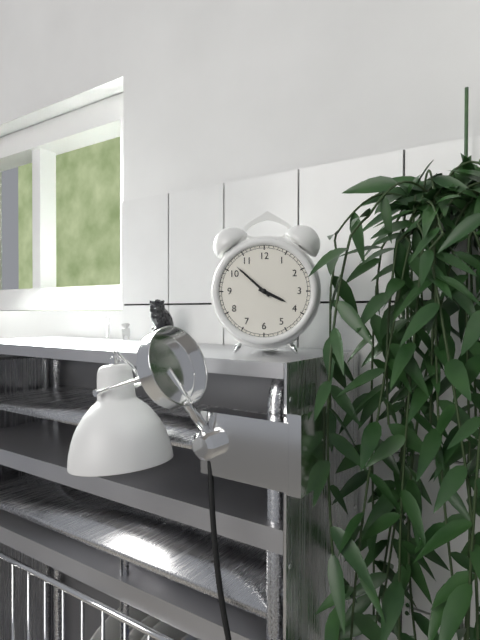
3:52
